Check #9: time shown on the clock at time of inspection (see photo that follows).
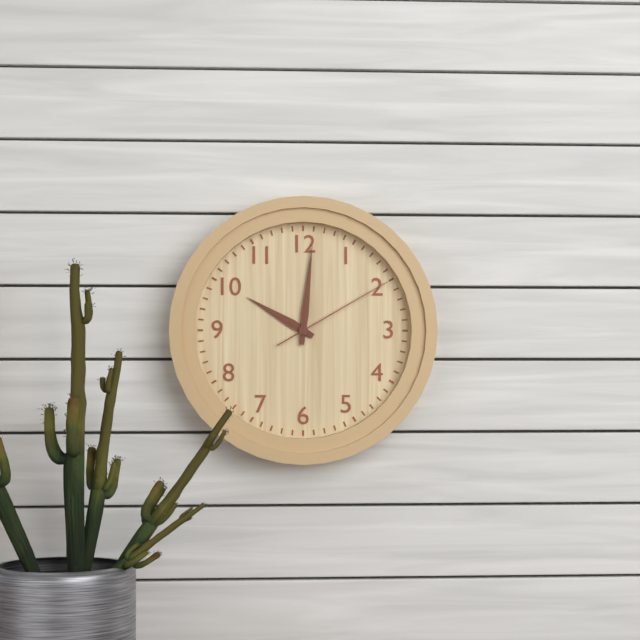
10:01:10
